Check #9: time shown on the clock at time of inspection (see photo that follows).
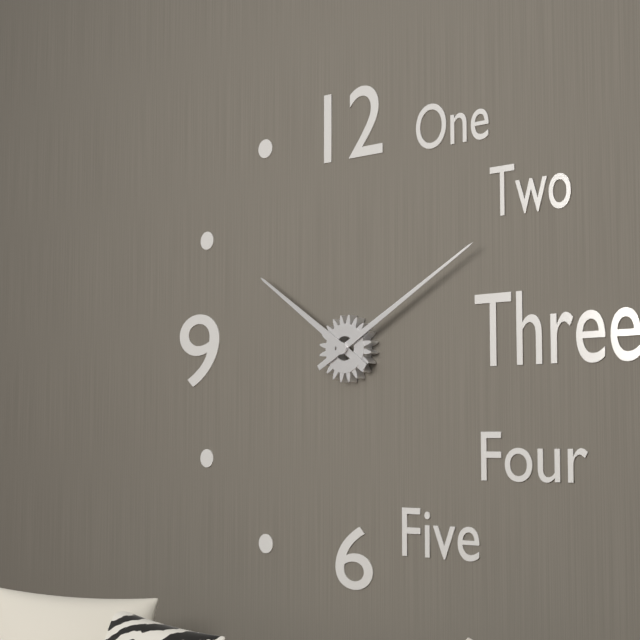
10:10
